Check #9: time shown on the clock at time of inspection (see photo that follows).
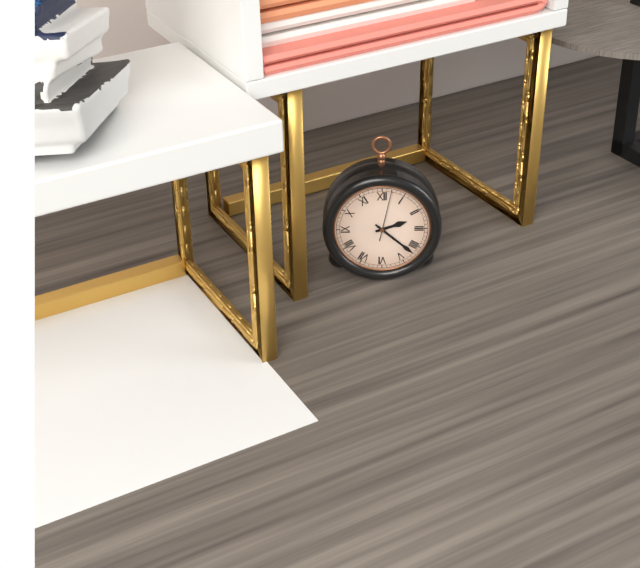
2:22:02
